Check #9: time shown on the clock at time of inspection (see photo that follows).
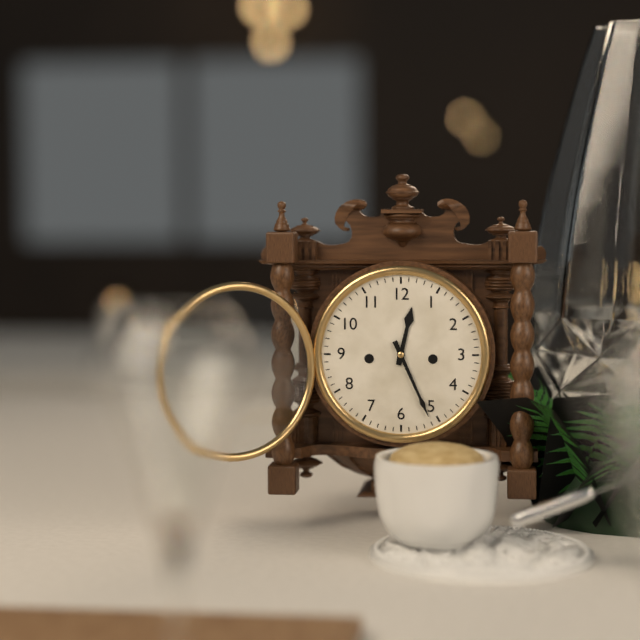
12:26
